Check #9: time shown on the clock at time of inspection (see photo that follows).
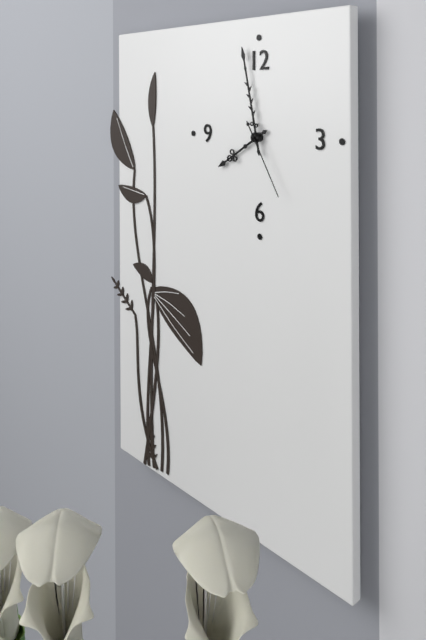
7:58:25
